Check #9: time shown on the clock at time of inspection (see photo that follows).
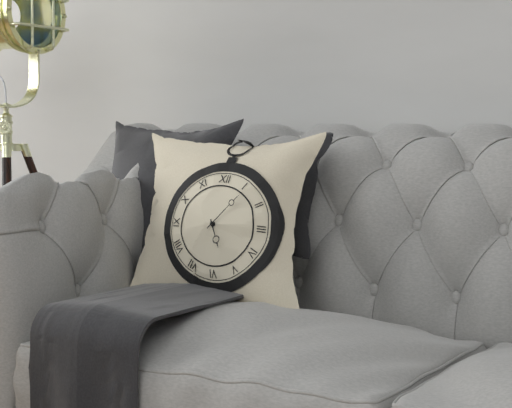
5:07
